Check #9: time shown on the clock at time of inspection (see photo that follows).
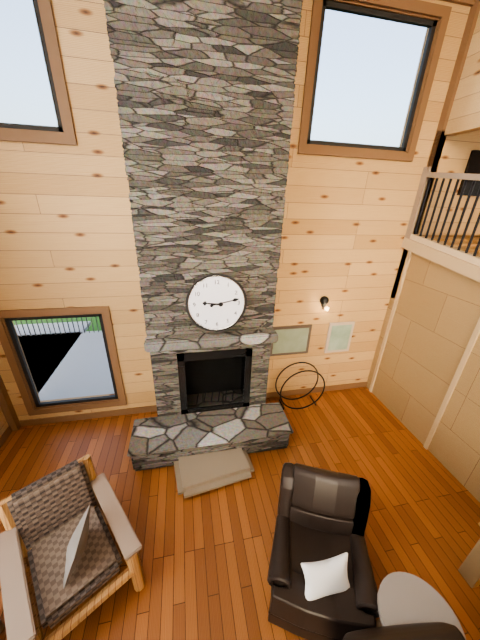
9:13
